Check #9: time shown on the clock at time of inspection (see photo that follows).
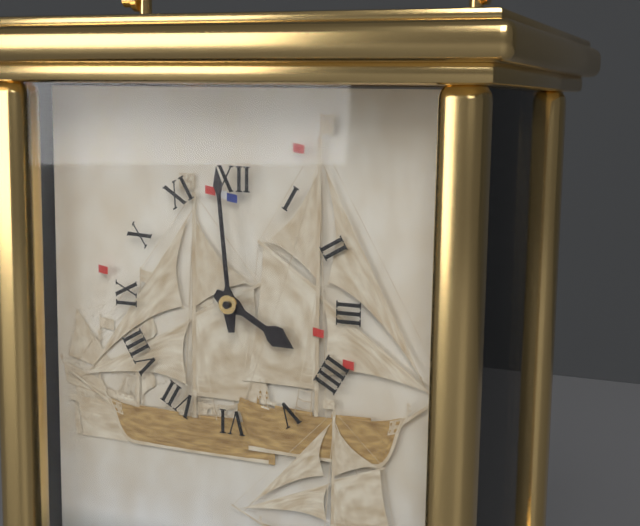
3:59
